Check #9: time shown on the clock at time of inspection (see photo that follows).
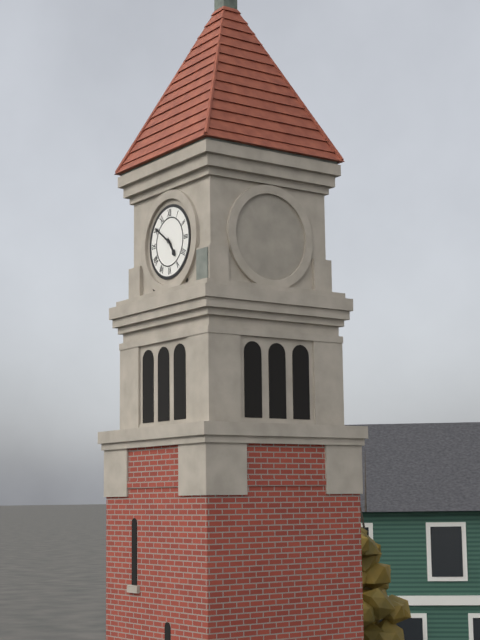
4:51
